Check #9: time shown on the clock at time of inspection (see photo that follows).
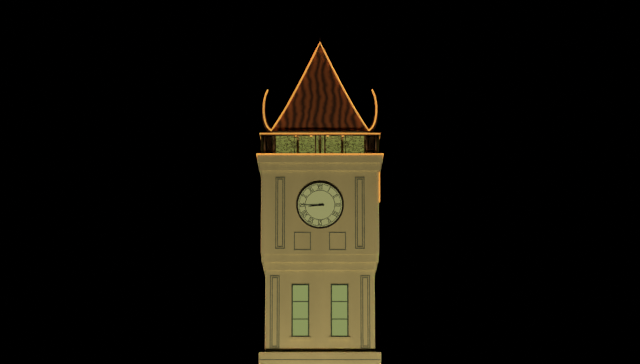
8:45
